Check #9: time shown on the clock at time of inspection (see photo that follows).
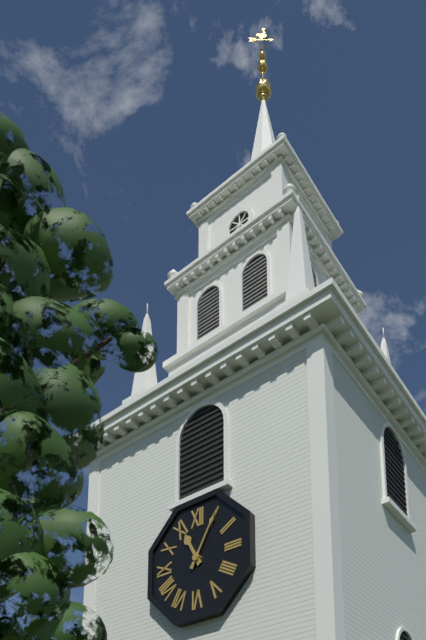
11:05
